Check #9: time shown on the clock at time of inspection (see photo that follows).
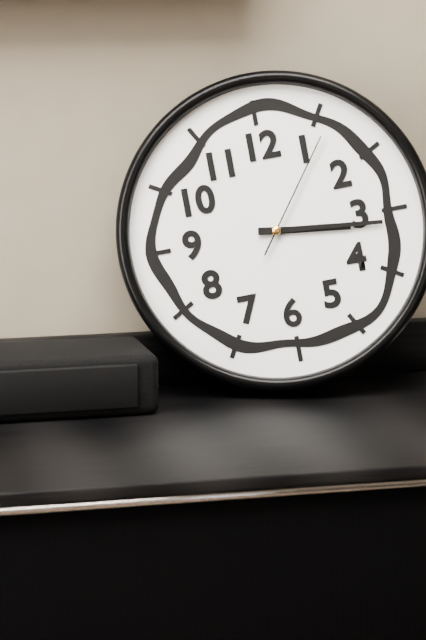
3:16:06
